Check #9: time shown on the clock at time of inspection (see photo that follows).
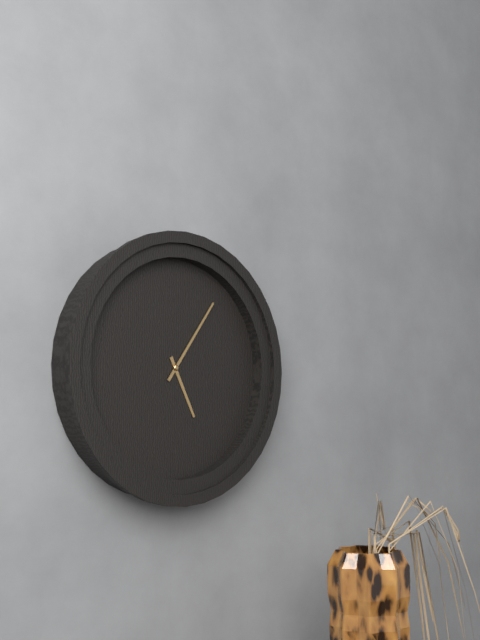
5:06
